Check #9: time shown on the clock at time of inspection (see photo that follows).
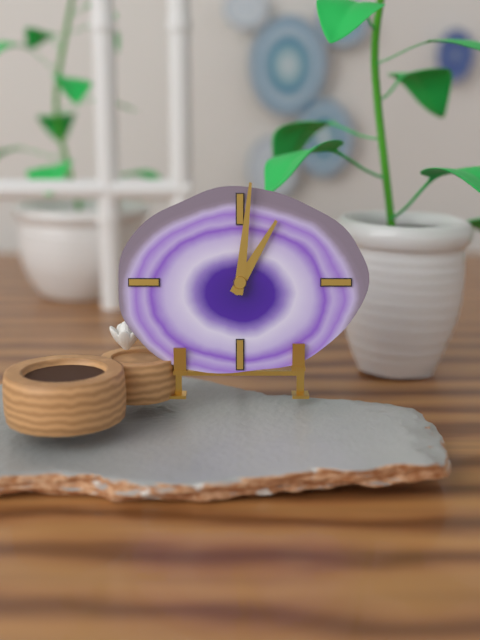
1:01
